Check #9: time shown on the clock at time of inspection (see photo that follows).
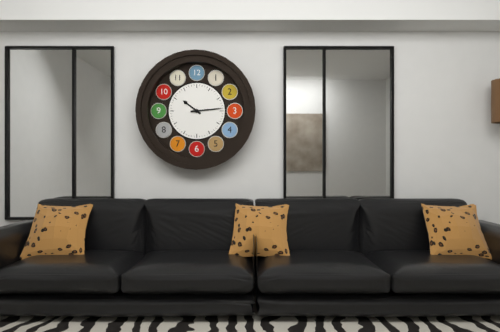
10:14
